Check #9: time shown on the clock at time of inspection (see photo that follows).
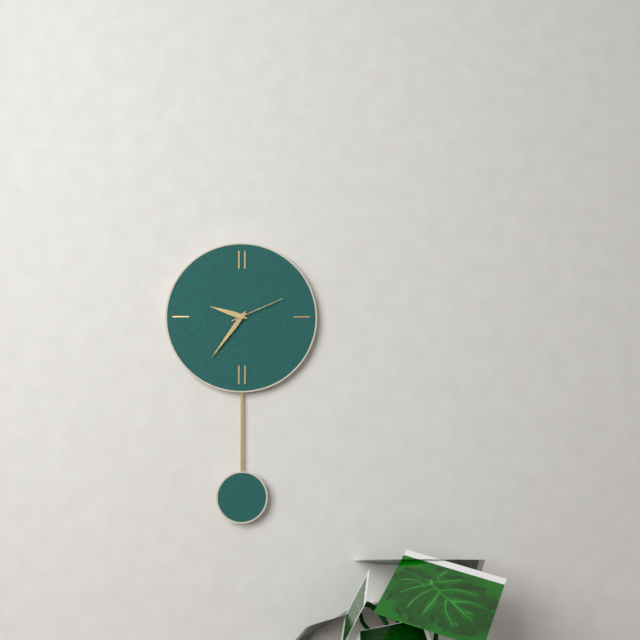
9:36:11
